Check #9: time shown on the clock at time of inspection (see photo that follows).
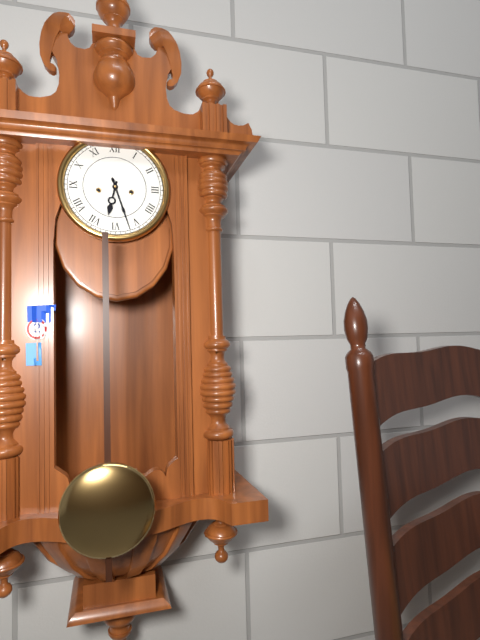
6:27
